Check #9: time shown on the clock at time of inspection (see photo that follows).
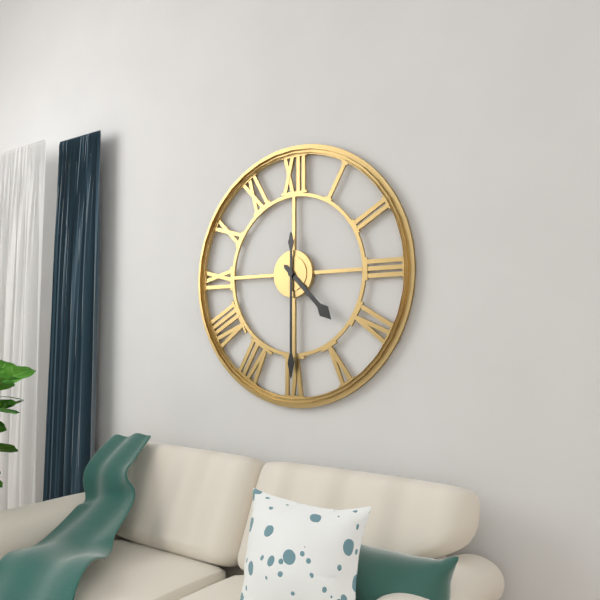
4:30
